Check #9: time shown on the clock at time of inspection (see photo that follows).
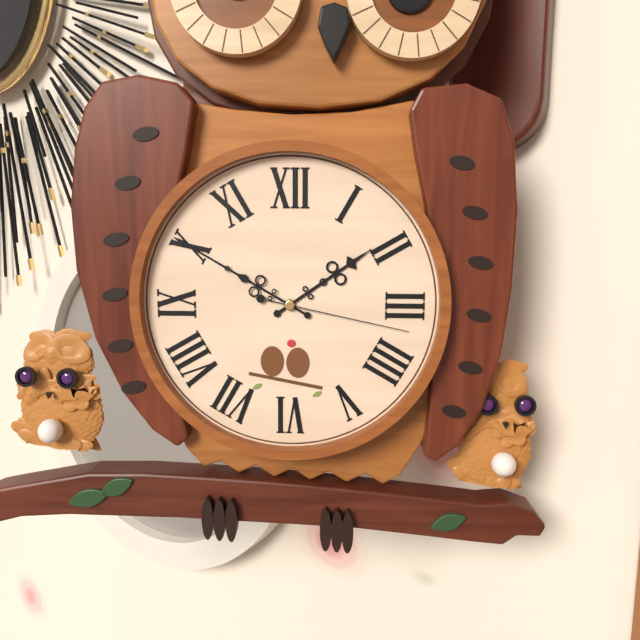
1:50:17
